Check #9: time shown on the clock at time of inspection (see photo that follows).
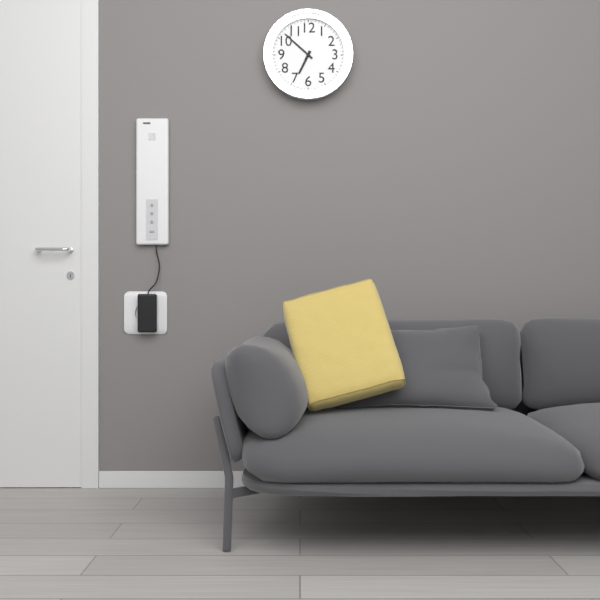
6:52
